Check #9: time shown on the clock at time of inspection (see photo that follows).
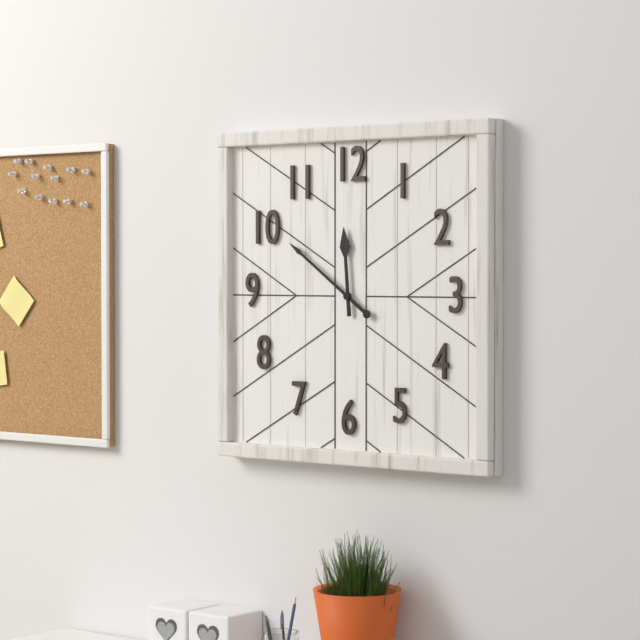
11:51
